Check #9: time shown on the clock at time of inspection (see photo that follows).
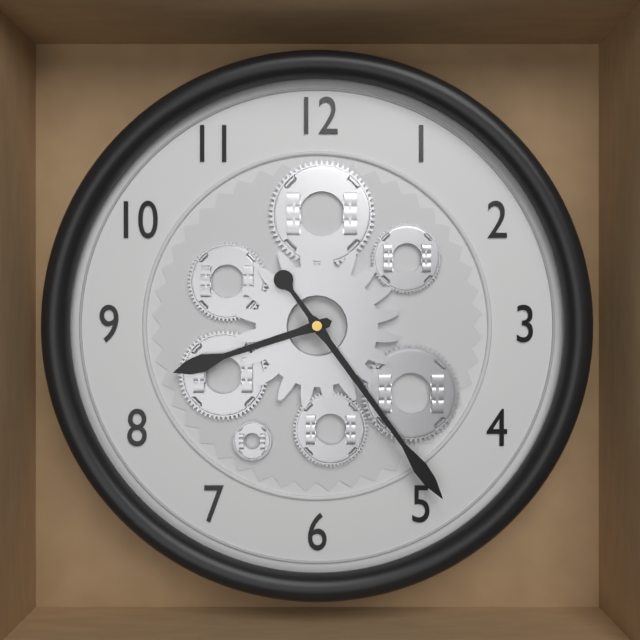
8:24
